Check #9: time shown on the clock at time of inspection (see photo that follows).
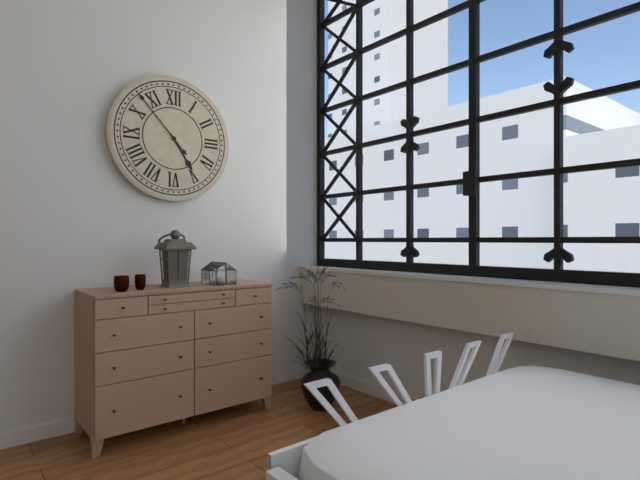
4:53
